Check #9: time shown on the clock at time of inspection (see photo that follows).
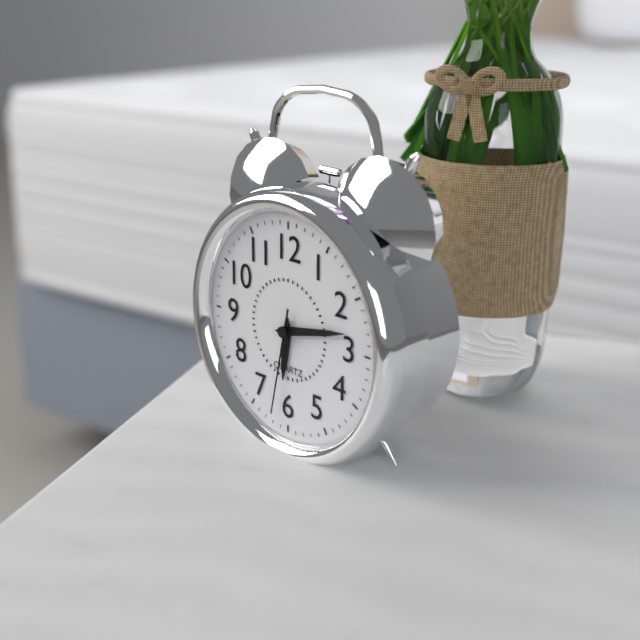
6:13:32
